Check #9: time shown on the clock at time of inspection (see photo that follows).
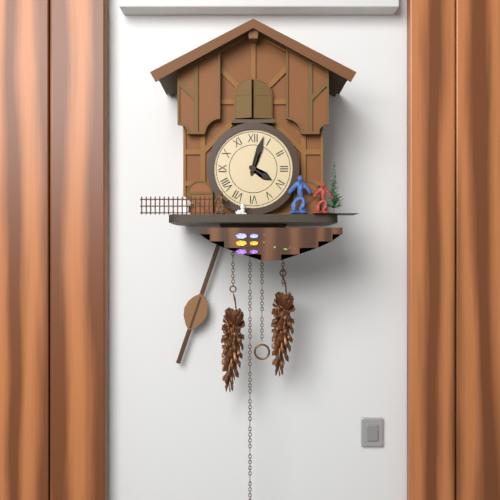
4:03
